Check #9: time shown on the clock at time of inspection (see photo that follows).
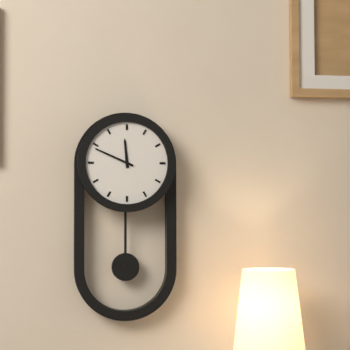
11:49
